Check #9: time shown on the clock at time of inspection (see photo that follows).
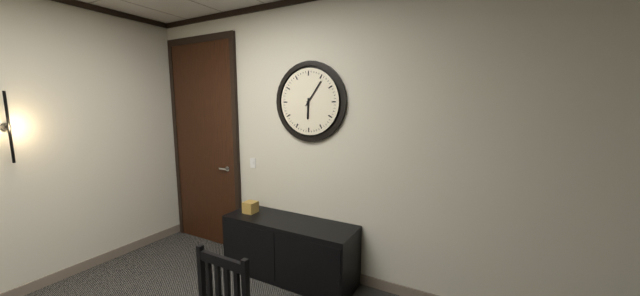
6:06
